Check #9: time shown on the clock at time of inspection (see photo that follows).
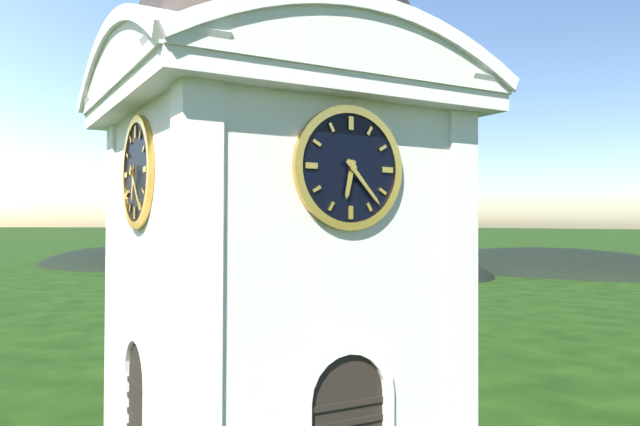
6:23
